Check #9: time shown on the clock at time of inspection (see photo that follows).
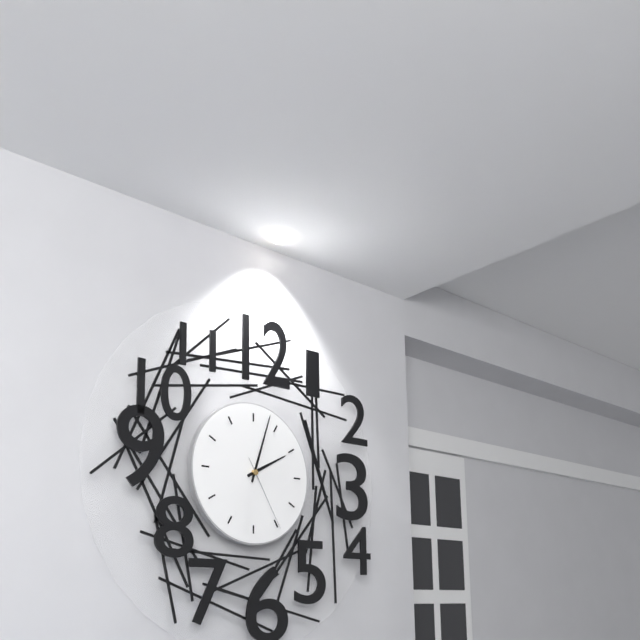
2:03:25
